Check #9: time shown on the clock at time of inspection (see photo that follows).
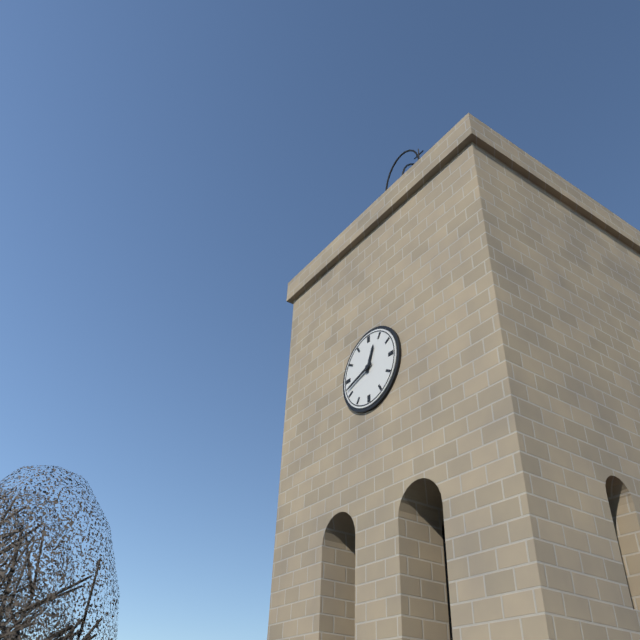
12:42
